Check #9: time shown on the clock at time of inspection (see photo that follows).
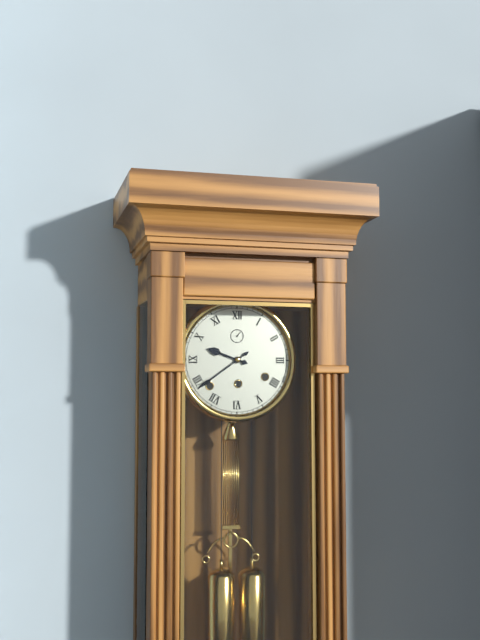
9:39
